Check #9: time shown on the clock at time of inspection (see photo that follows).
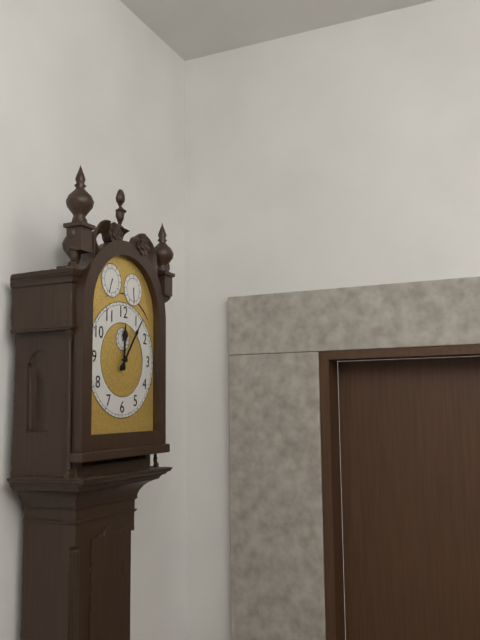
12:06
